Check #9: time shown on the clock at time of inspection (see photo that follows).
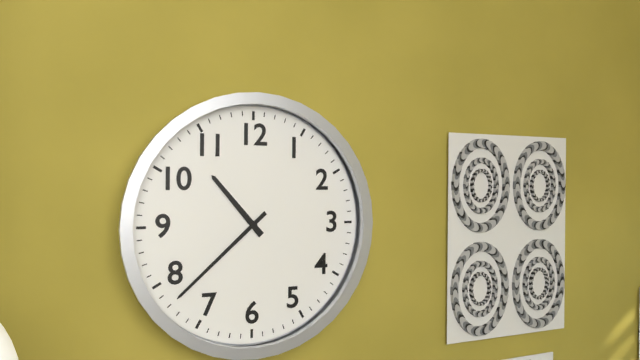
10:38
